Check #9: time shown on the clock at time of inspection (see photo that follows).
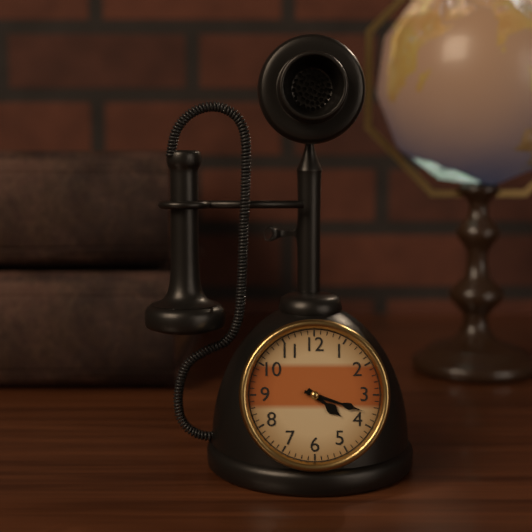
4:18
